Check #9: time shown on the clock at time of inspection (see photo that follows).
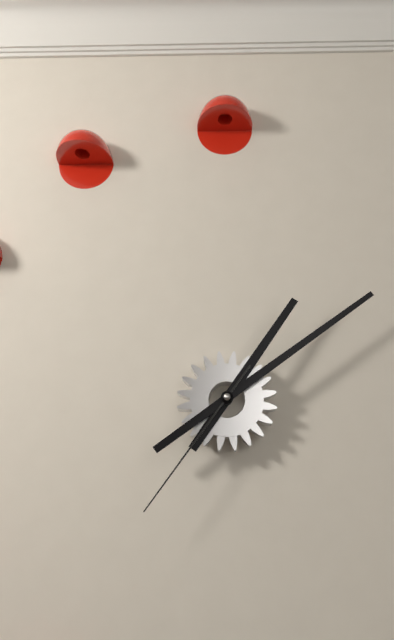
1:09:36
